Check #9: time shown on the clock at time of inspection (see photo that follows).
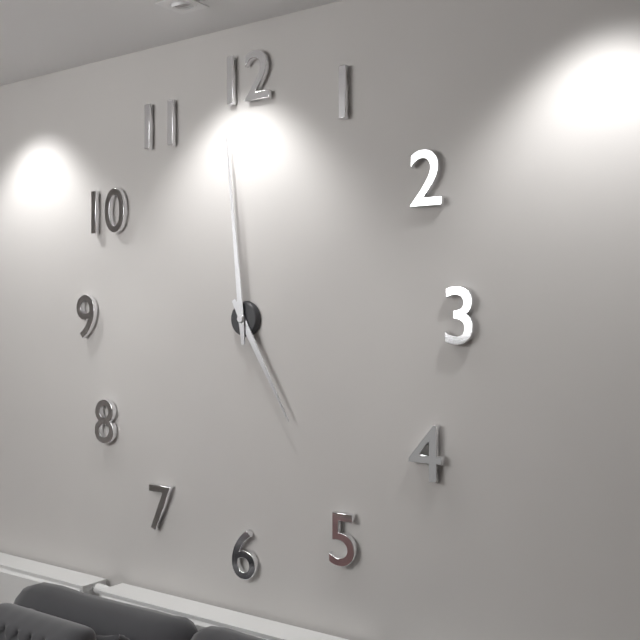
4:59
